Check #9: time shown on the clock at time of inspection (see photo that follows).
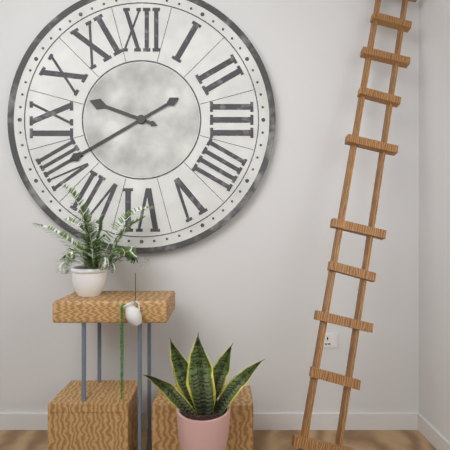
9:40
